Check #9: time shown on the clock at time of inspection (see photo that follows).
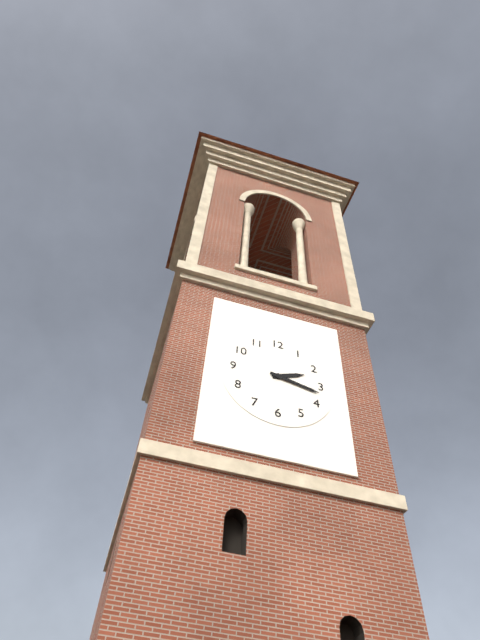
2:17
